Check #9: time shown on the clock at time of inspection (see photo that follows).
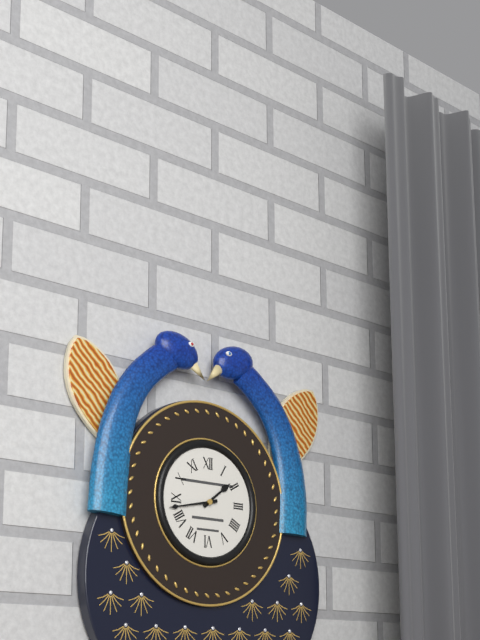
1:43
